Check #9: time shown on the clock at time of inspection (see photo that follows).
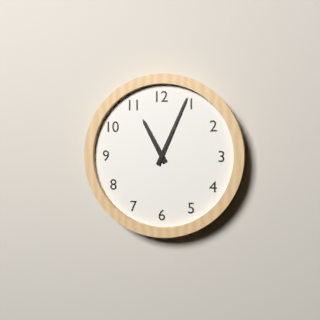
11:04
